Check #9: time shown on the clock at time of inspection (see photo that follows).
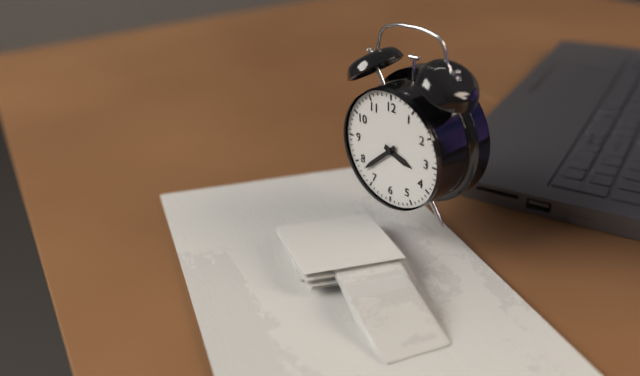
3:38
